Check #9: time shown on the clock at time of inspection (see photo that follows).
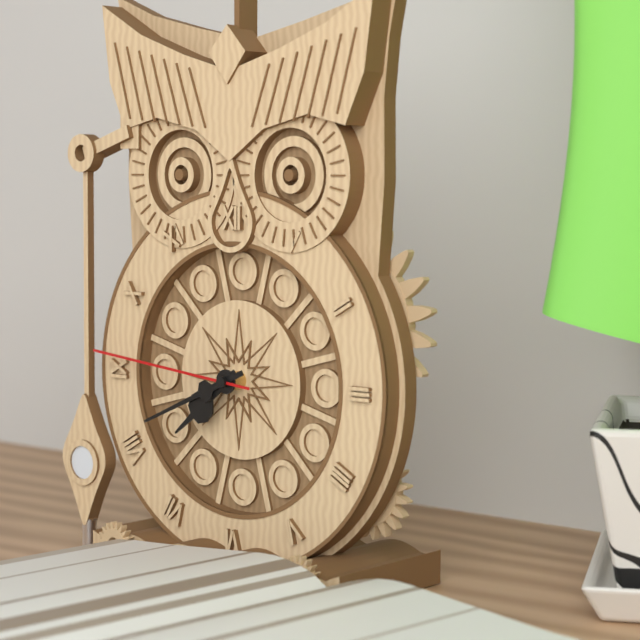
7:41:46
